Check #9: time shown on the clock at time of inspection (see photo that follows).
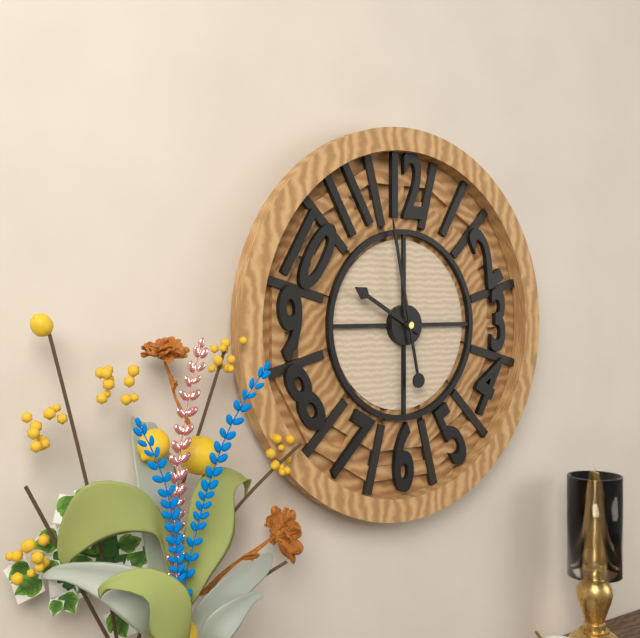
9:58
